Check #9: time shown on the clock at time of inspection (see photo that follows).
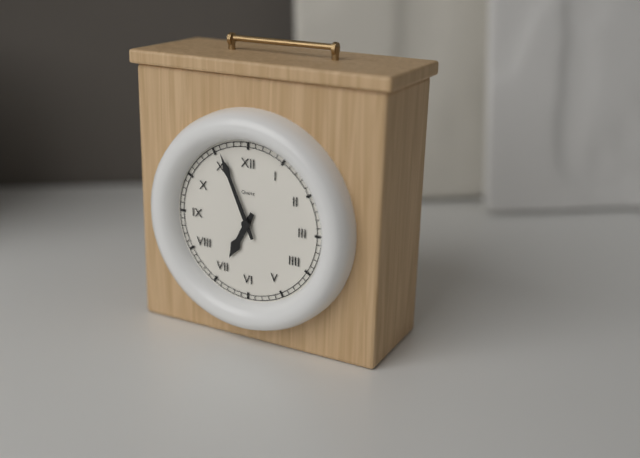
6:56
